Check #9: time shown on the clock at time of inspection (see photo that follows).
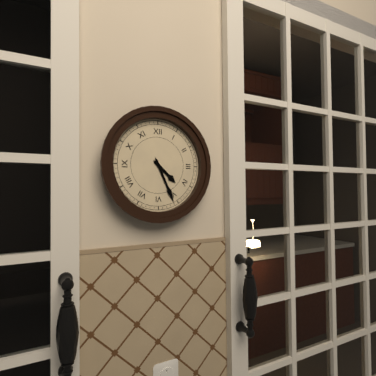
4:26
